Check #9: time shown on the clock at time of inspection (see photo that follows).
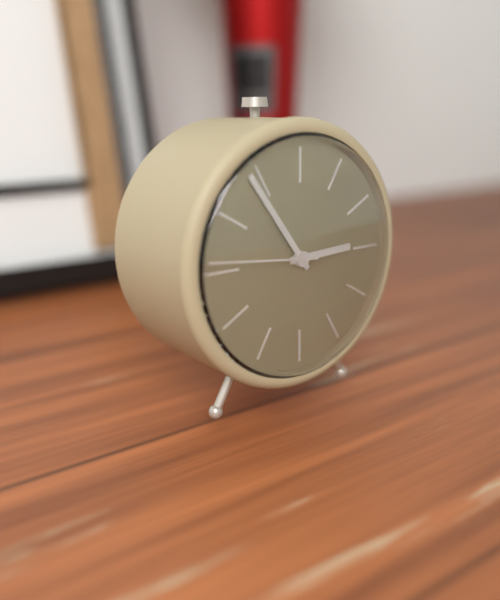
2:54:46
